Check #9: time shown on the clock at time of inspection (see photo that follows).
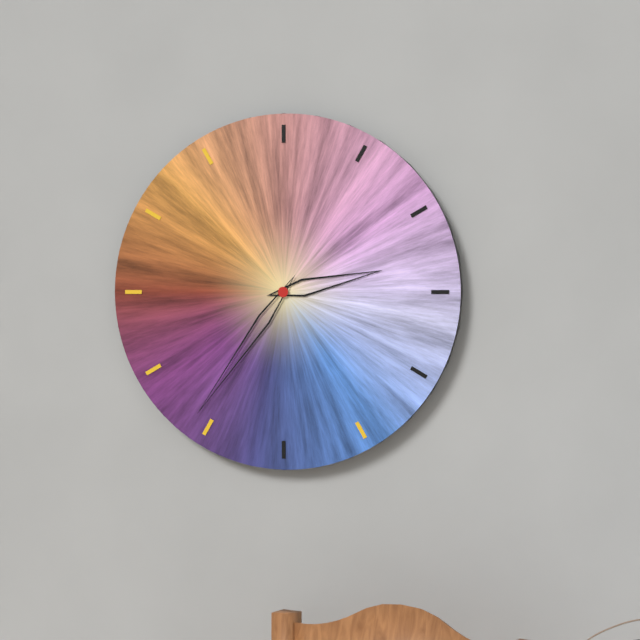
2:36
